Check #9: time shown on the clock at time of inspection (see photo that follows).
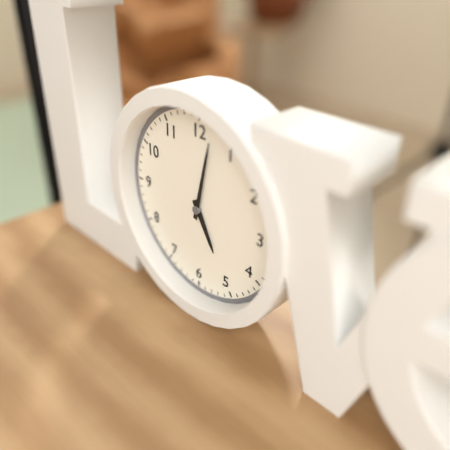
5:02
